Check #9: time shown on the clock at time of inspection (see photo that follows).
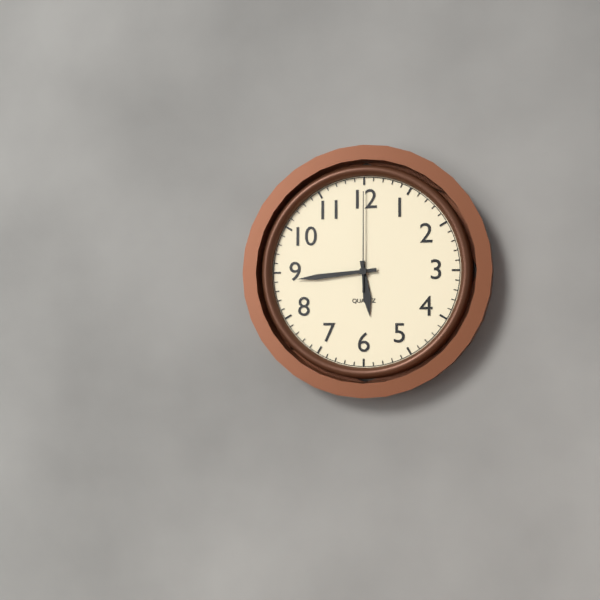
5:44:00
